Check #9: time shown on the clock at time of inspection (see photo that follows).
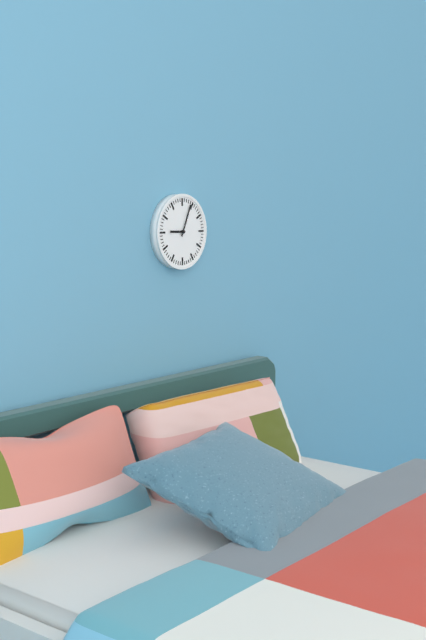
9:04
